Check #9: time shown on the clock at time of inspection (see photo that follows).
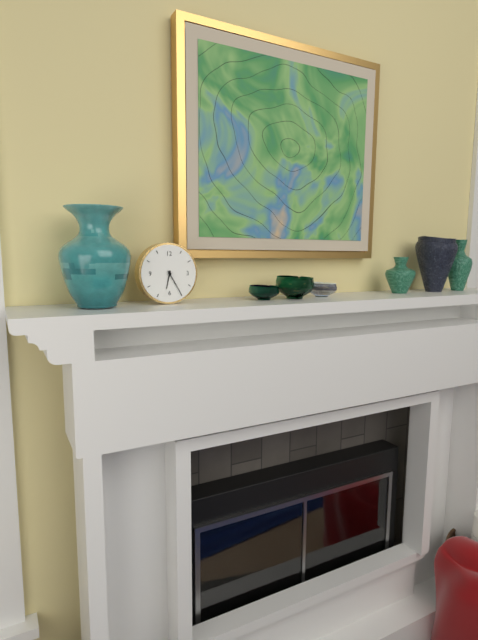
6:25
